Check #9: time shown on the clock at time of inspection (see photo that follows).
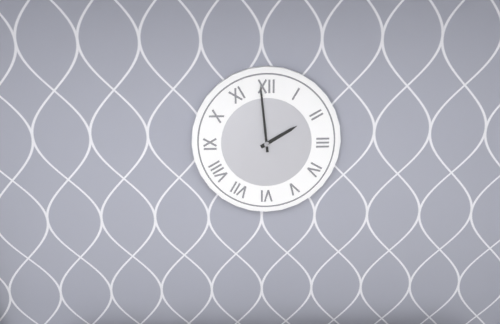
1:59
